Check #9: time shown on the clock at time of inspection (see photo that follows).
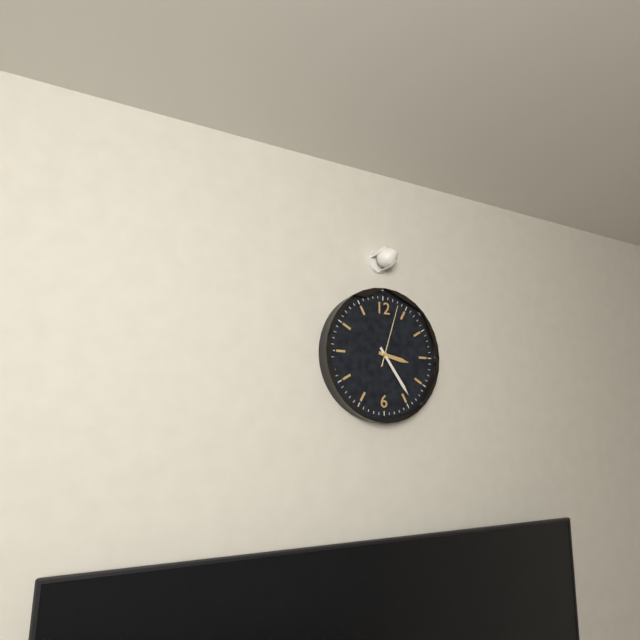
3:24:03
